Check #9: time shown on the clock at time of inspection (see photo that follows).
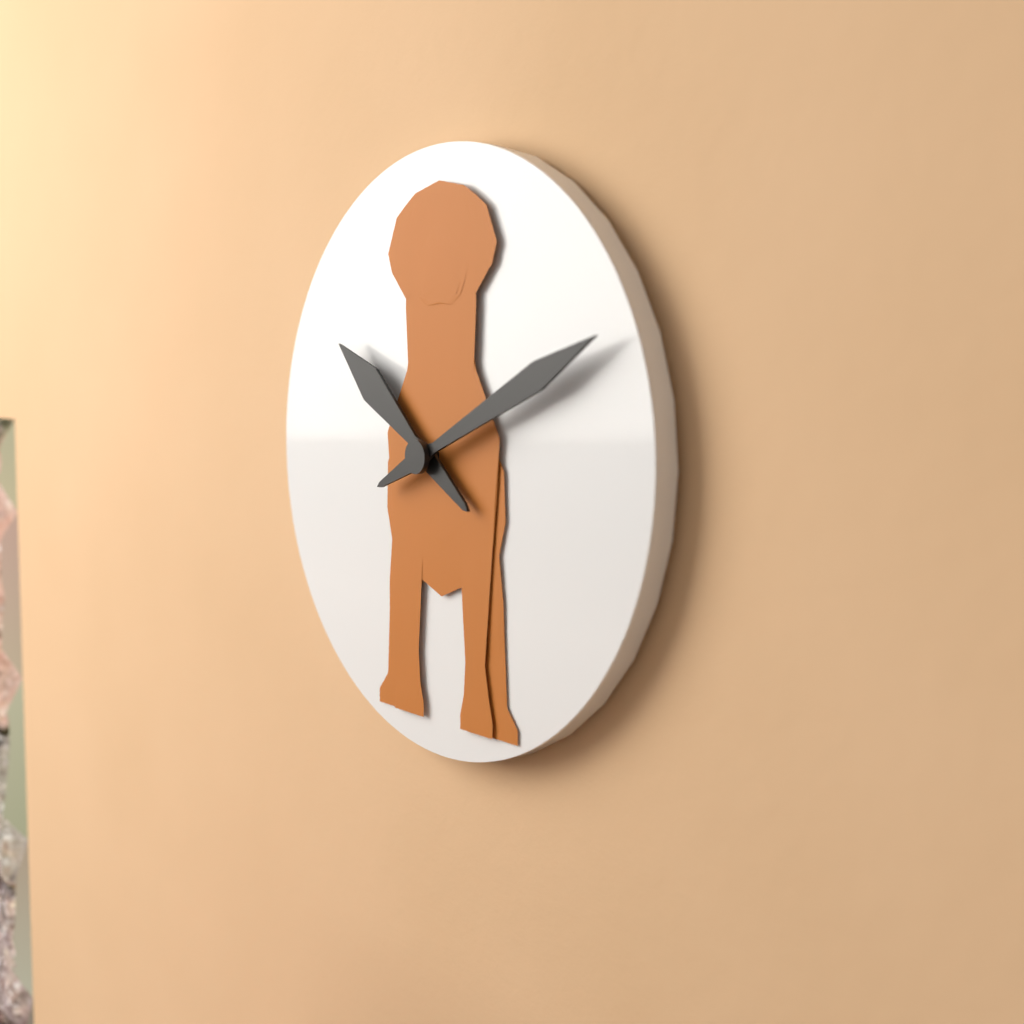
10:11
